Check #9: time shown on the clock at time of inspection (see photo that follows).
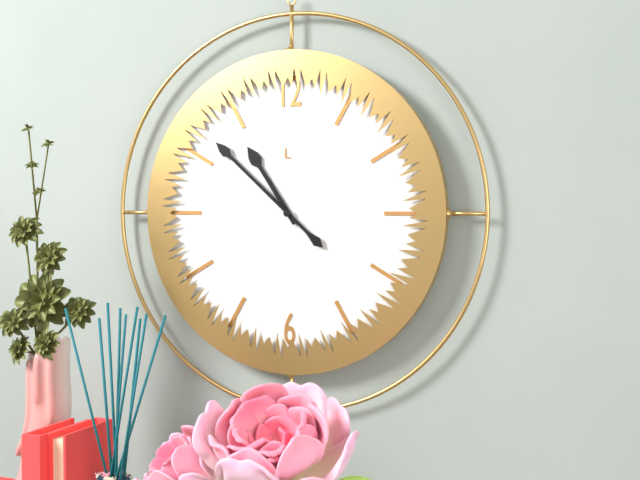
10:52
